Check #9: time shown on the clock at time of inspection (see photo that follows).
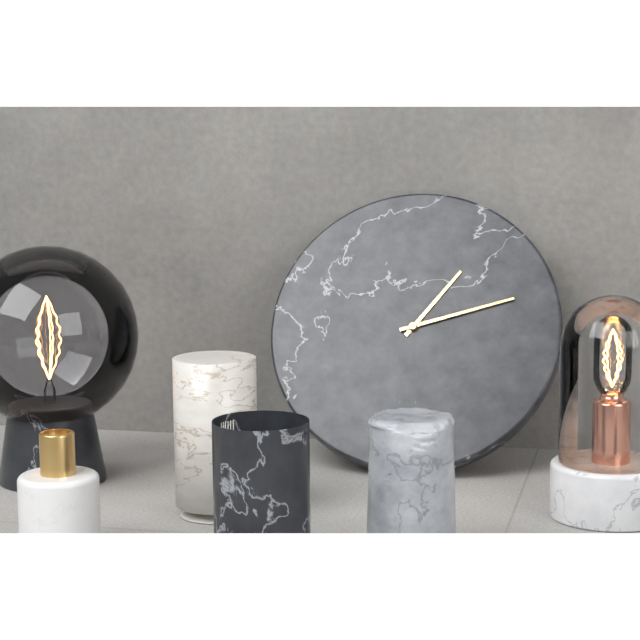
1:12
